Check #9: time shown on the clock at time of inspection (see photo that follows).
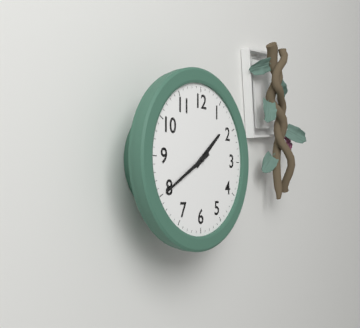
1:40
